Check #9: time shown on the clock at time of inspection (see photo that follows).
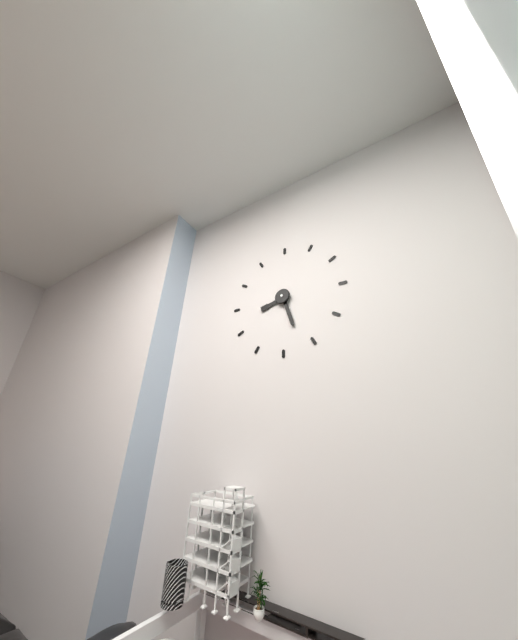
8:27
